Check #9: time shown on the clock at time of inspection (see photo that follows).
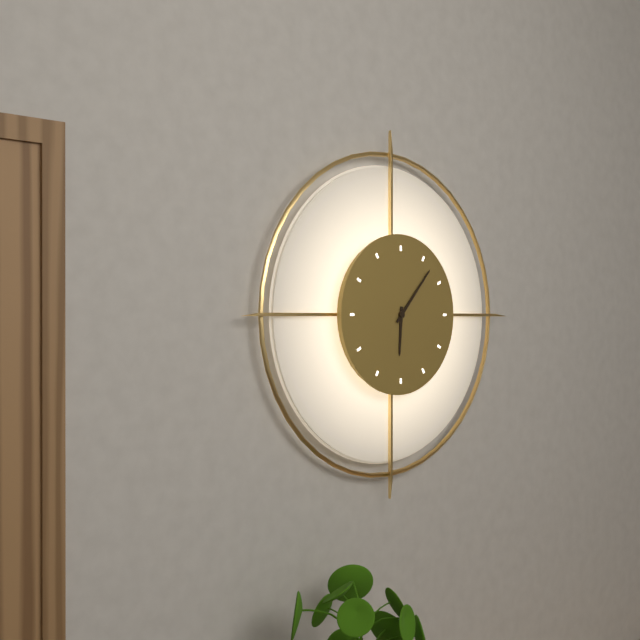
6:07
